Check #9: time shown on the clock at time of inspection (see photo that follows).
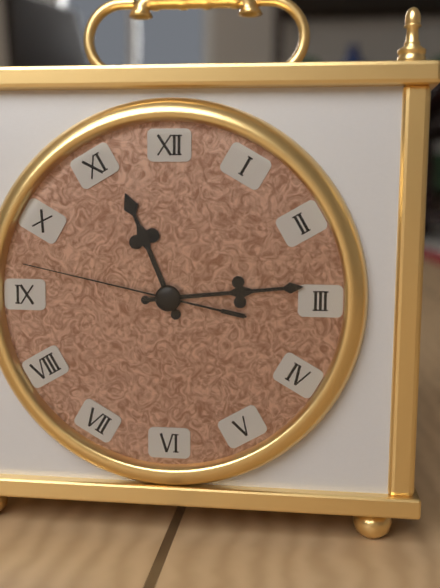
11:14:47
